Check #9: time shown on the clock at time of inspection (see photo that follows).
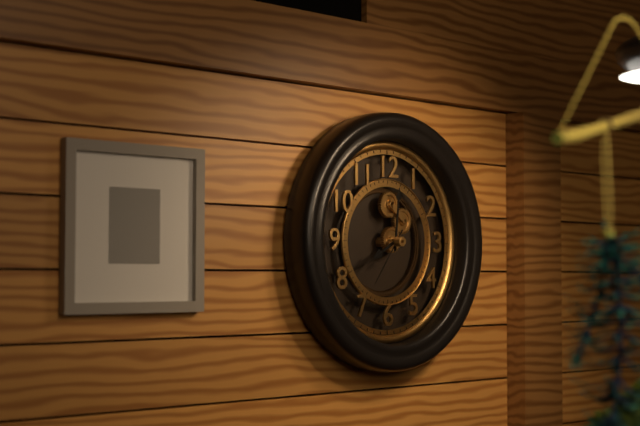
8:01:36
